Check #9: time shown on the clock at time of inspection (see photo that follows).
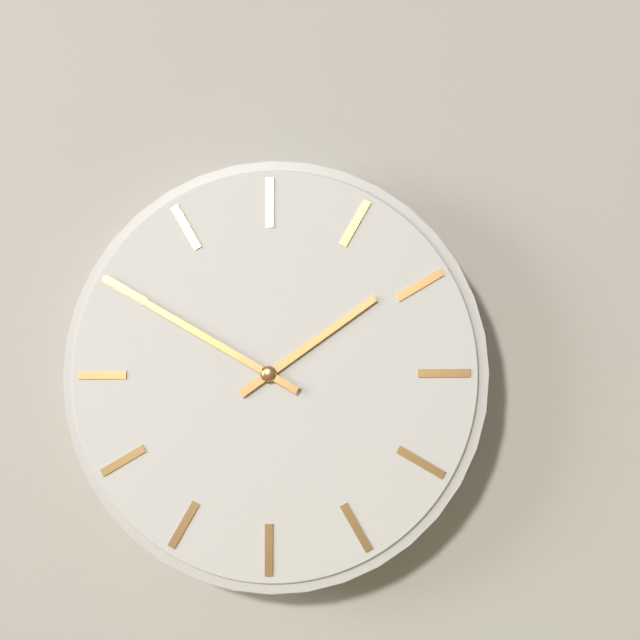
1:50
